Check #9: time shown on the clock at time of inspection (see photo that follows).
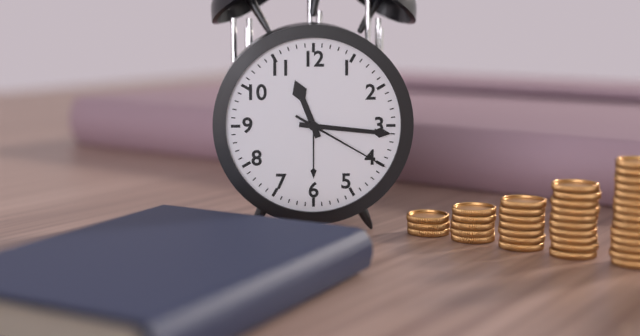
11:16:20
